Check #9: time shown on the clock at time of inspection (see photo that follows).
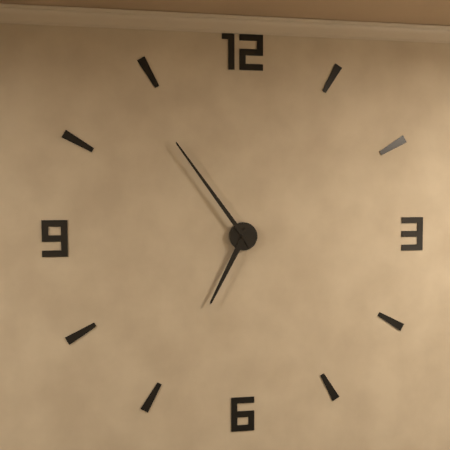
6:54
